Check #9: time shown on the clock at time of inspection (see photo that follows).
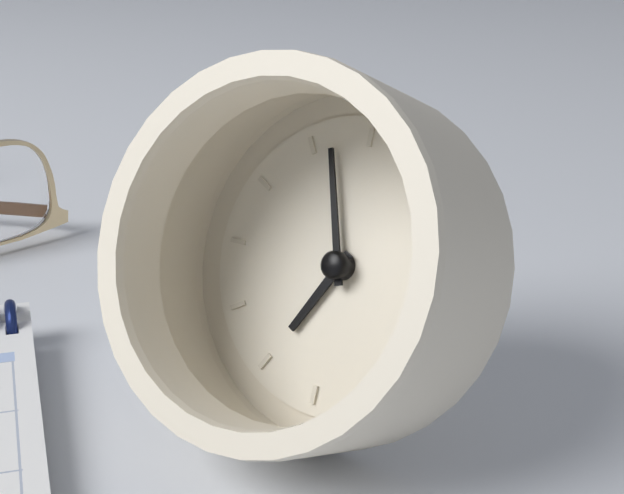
6:57
